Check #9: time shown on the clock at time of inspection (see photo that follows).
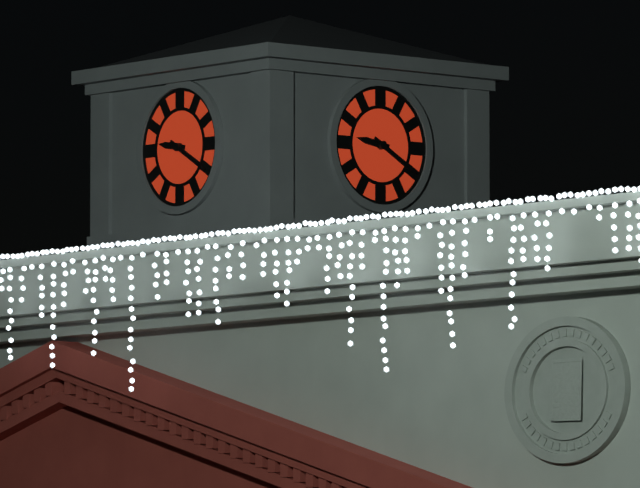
9:20
